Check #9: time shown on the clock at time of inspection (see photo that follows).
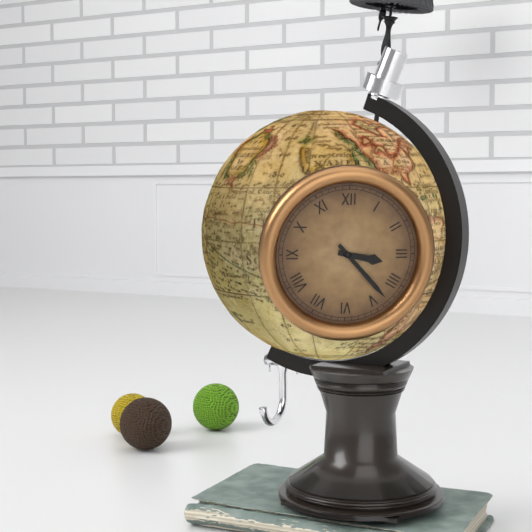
3:23
